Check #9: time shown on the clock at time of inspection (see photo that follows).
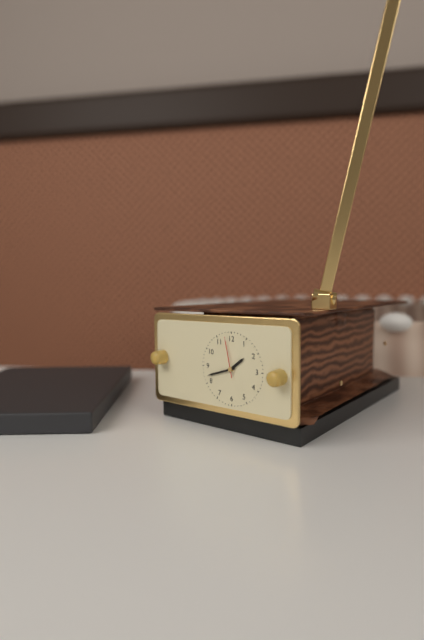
1:42
